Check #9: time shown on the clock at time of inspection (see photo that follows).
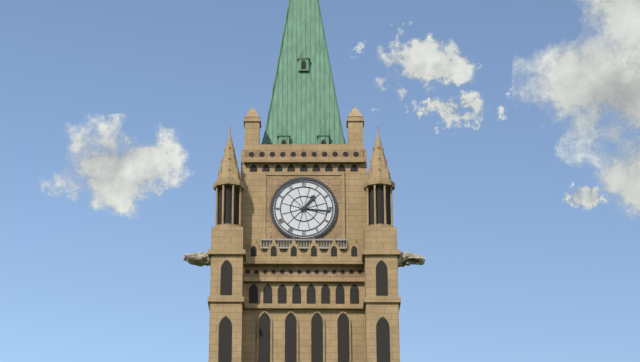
1:16
